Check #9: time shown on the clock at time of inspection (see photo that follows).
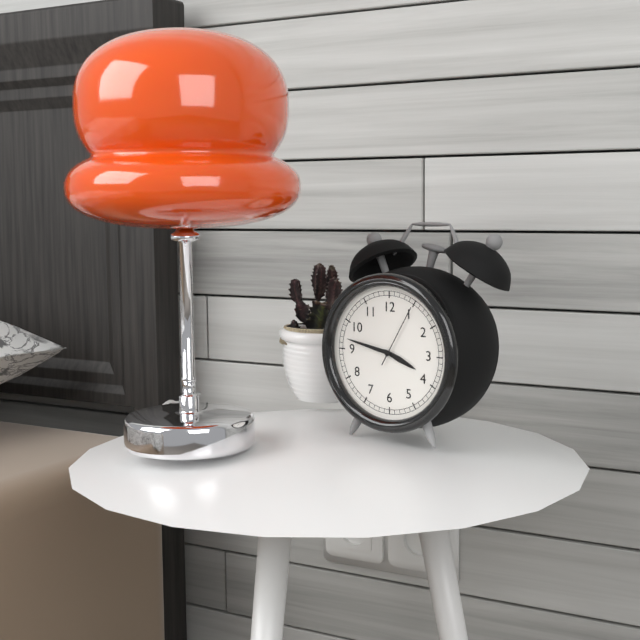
3:47:05
